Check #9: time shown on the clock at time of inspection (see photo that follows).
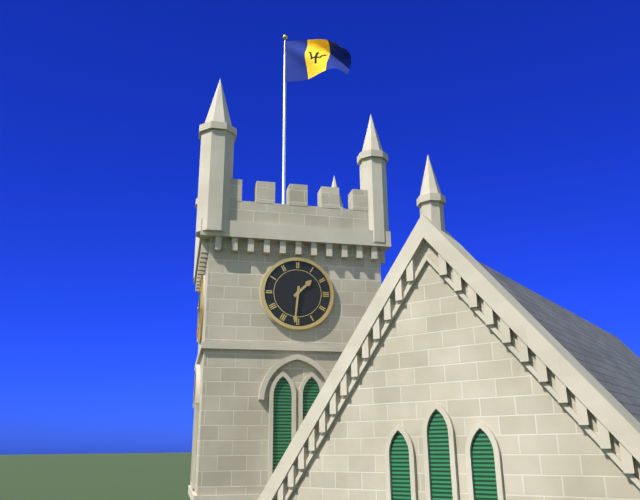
1:31
